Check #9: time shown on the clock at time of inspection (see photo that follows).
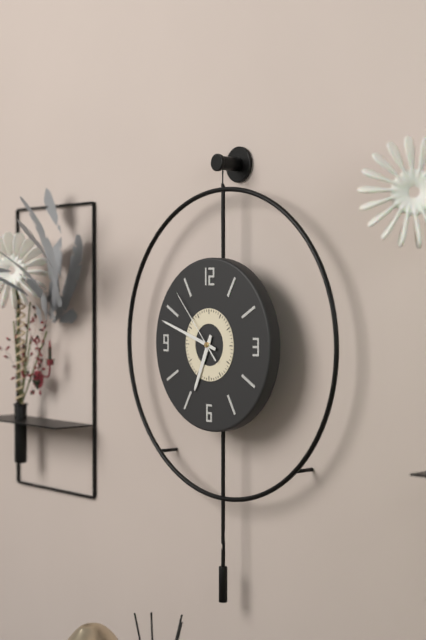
6:48:53
